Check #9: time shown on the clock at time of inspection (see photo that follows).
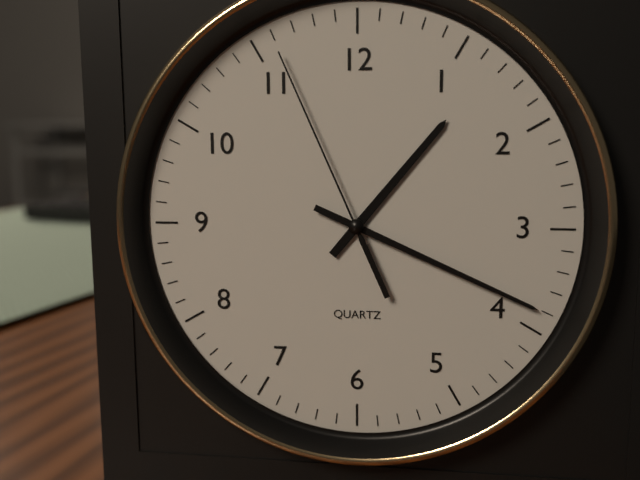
1:19:56
